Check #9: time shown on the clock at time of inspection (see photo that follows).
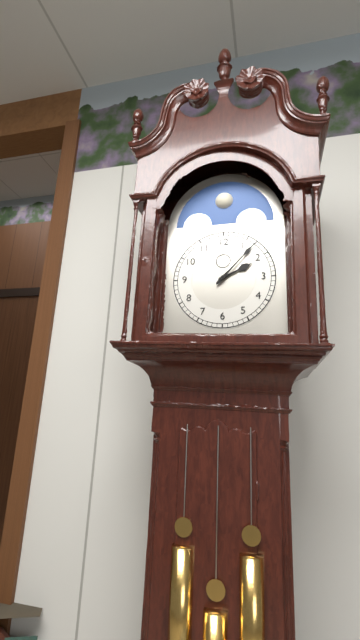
2:07
